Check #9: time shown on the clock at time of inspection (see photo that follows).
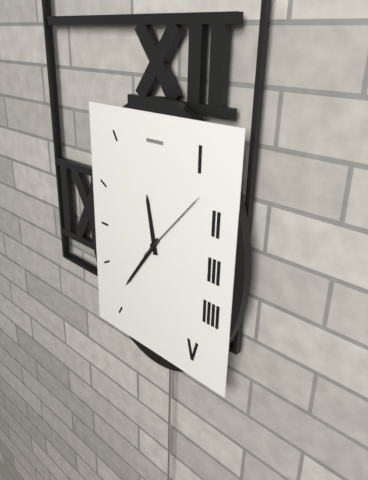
11:36:07
